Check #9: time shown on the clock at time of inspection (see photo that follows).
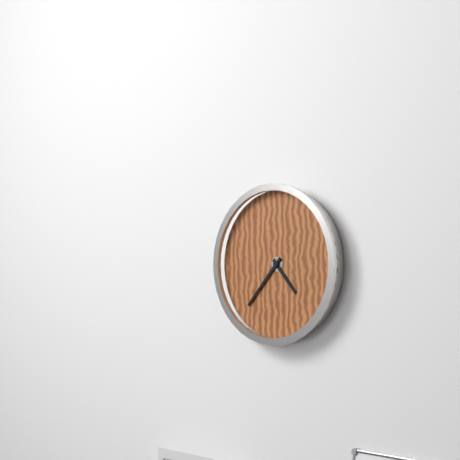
4:37
